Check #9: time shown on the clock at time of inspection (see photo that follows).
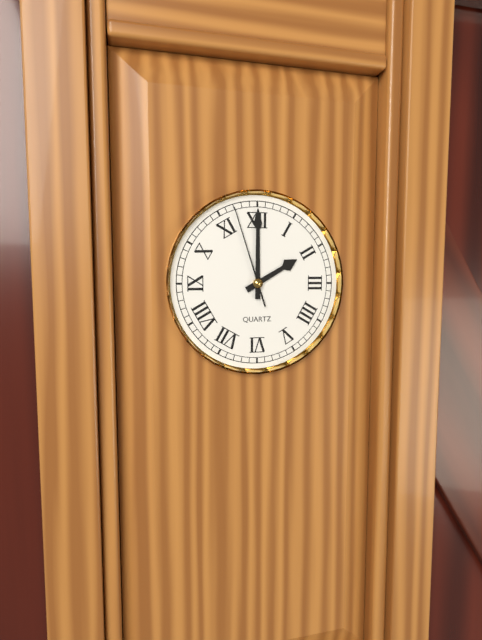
2:00:57
